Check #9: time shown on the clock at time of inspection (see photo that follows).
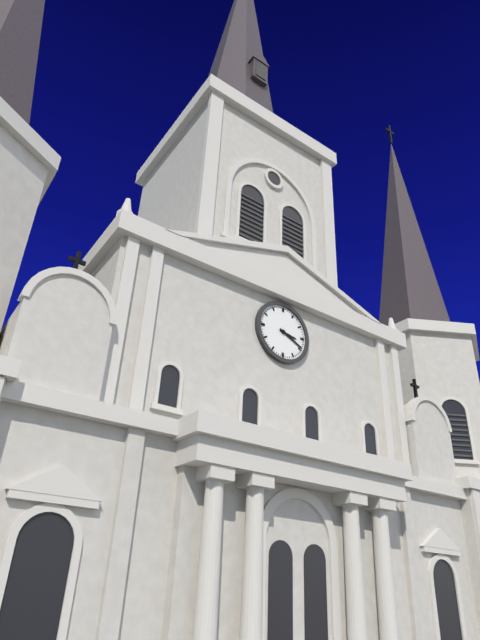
3:19
